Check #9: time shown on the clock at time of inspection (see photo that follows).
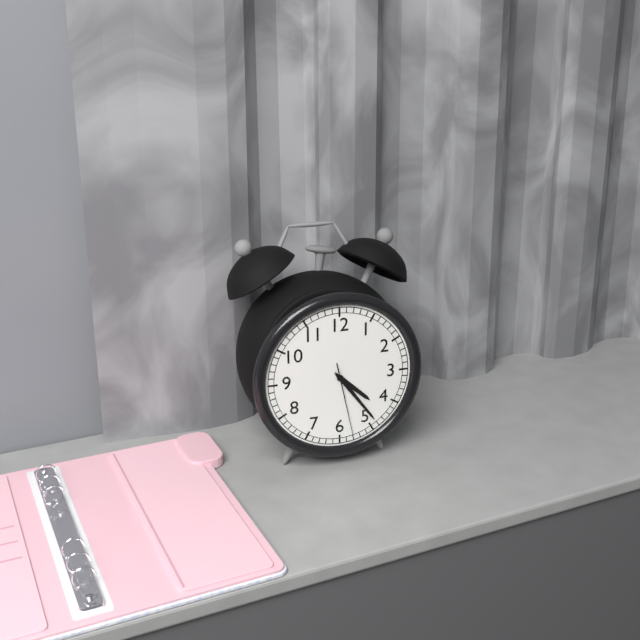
4:24:28
